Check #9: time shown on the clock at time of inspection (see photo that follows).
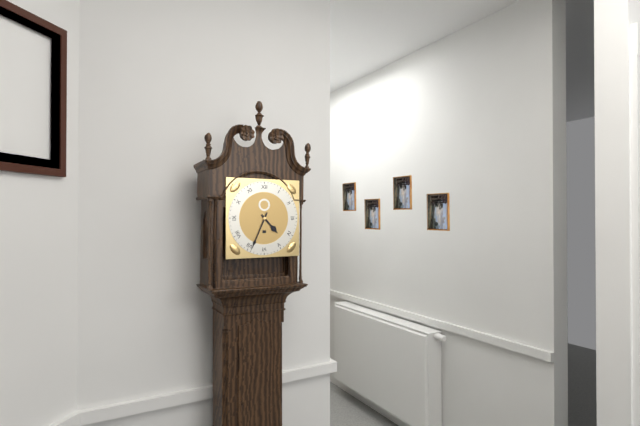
4:34
